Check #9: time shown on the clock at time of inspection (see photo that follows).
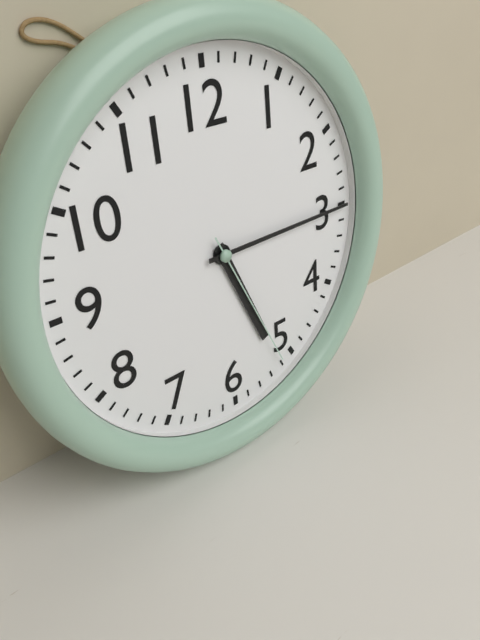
5:15:26
